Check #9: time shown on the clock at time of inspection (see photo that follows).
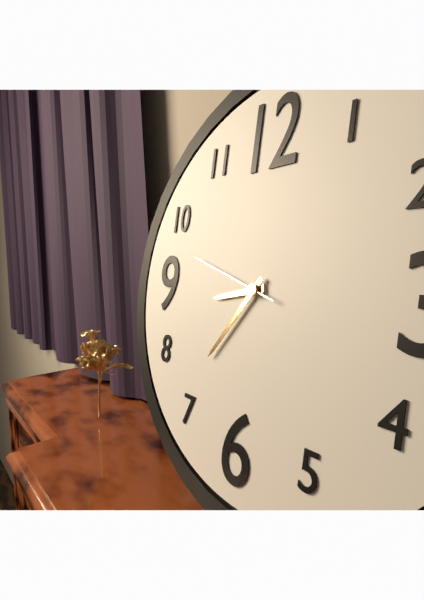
8:36:48
